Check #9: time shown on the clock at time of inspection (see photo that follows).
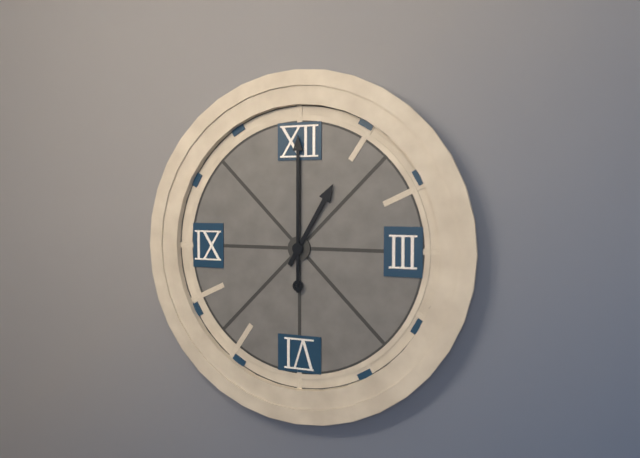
1:00
